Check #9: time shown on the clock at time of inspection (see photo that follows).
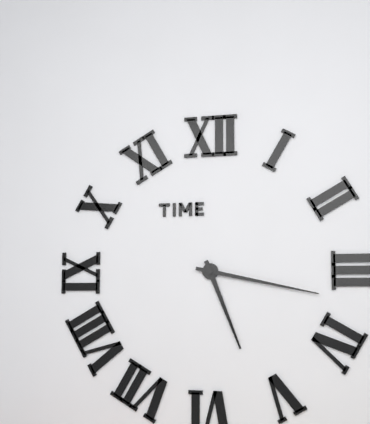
5:17
